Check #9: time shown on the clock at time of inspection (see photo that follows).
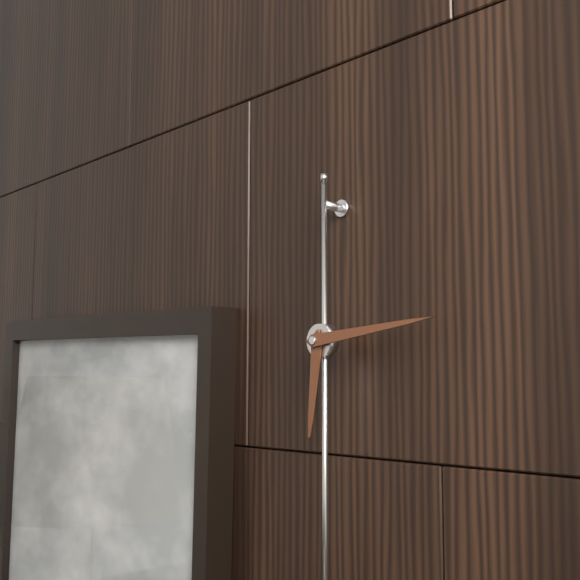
6:14
